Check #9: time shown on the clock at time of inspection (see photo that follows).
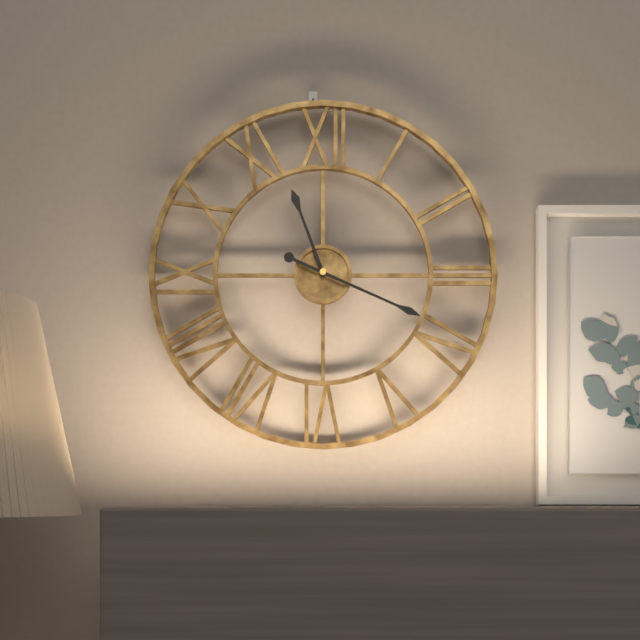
11:19
